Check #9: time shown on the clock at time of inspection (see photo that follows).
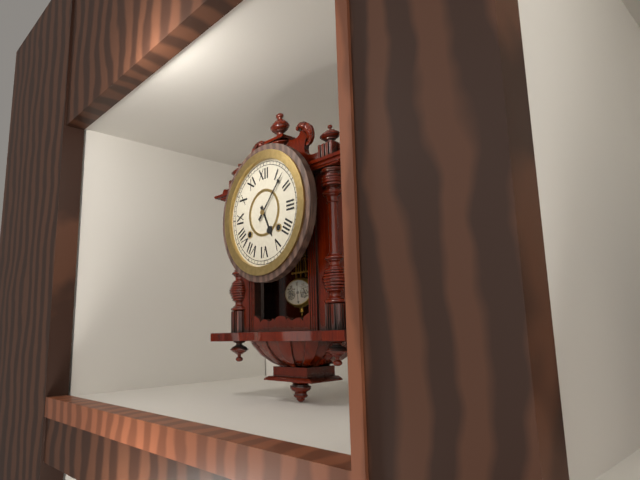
5:07
